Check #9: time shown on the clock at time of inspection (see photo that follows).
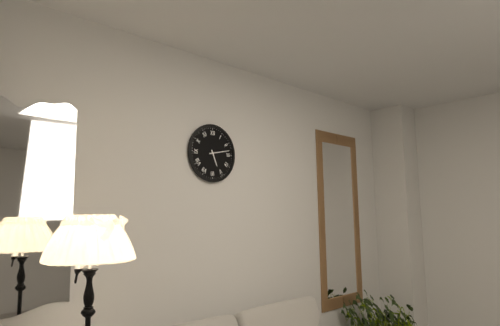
5:13
